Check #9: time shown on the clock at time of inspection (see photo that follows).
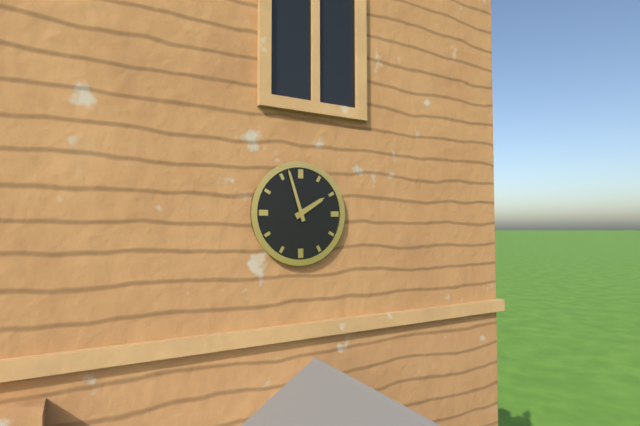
1:57
